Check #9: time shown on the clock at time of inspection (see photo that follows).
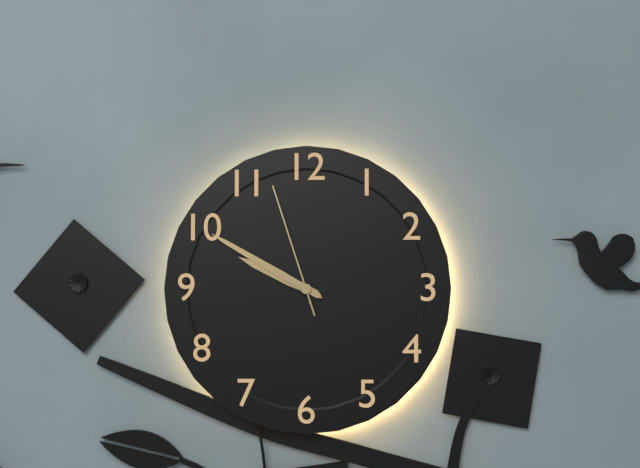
9:50:57
